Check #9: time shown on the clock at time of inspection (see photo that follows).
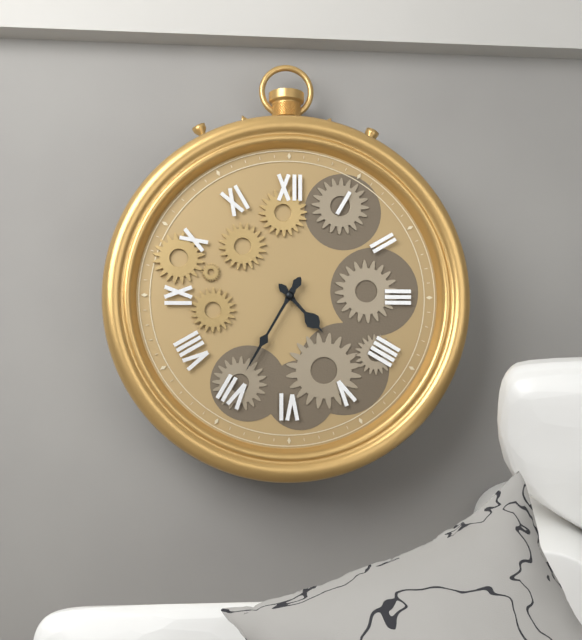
4:35
